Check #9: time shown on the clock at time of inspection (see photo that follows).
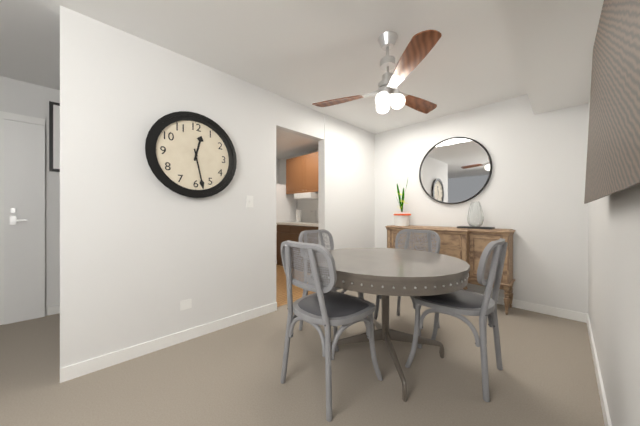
12:28
